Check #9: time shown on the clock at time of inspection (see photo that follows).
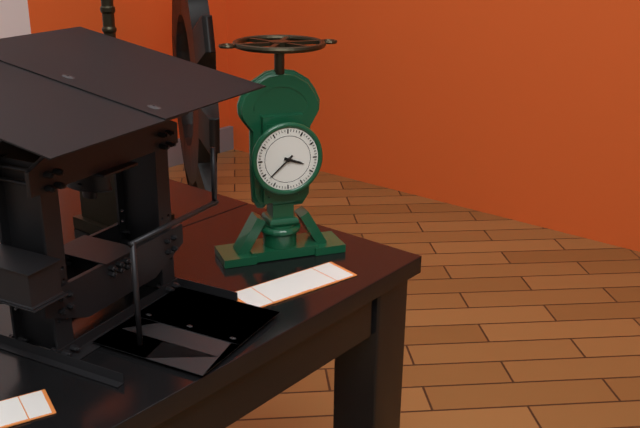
3:38
